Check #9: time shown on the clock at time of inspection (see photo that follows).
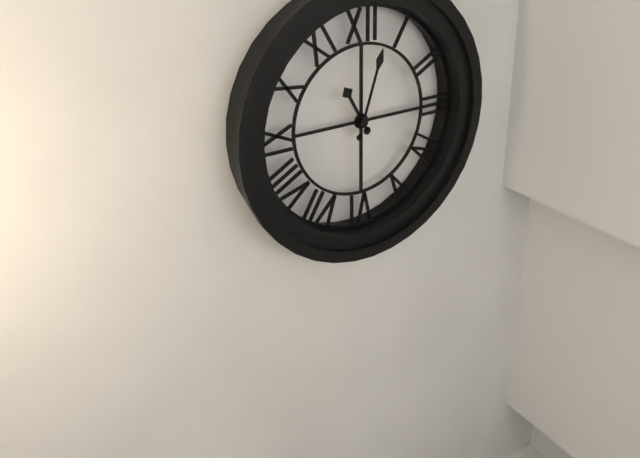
11:03
